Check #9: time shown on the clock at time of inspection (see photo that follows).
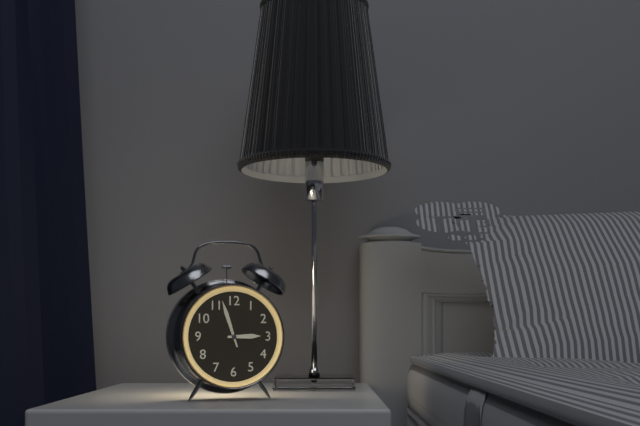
2:57
